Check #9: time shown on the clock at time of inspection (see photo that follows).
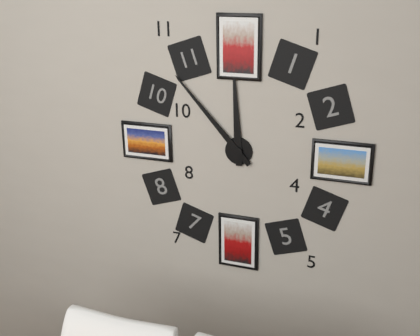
11:53
